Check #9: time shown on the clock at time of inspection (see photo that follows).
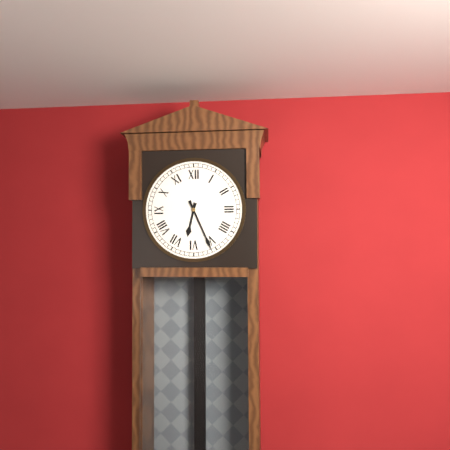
6:26
